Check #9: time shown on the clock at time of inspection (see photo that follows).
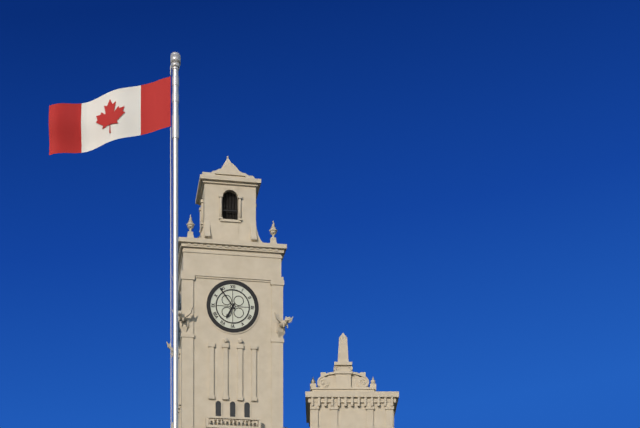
6:54
